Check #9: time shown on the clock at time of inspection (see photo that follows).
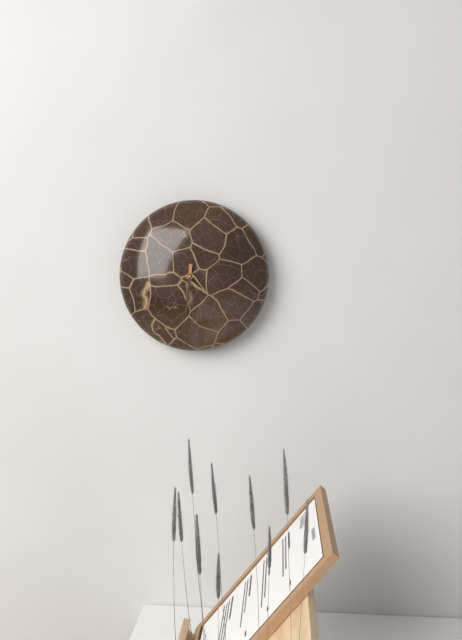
4:31
